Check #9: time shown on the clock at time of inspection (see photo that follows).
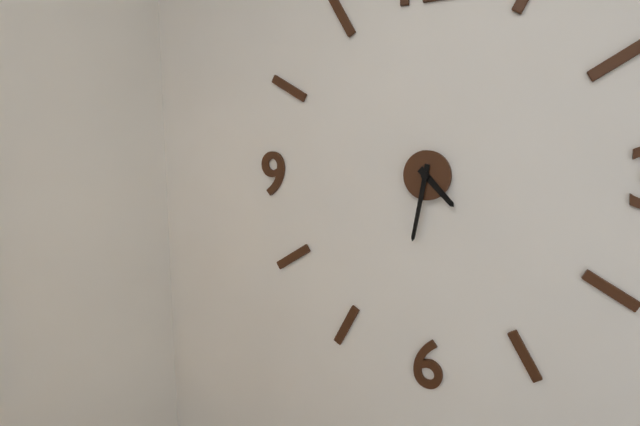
4:32
